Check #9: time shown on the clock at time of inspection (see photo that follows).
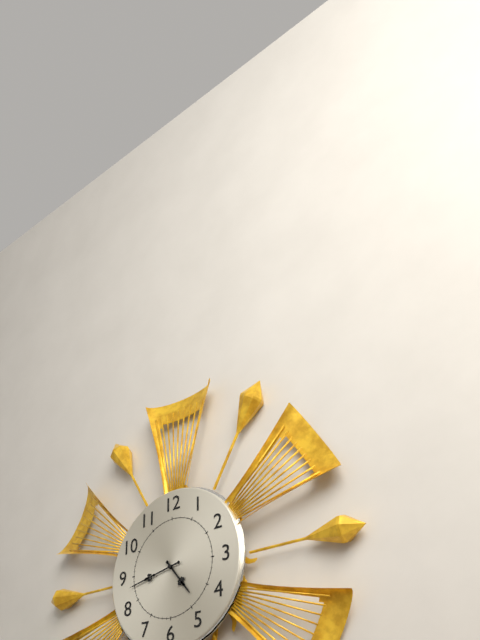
4:43
